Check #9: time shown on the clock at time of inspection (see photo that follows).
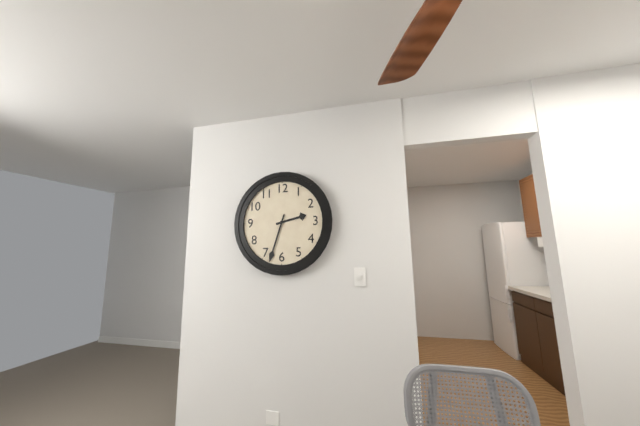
2:33
